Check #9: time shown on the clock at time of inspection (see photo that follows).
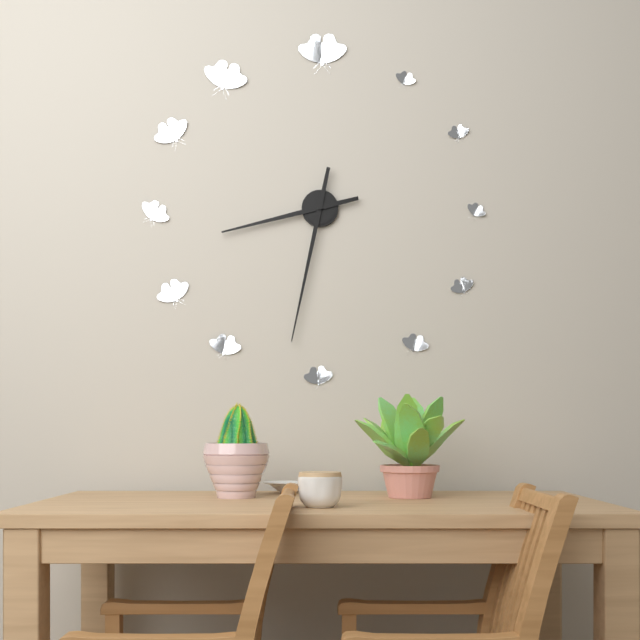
8:32
